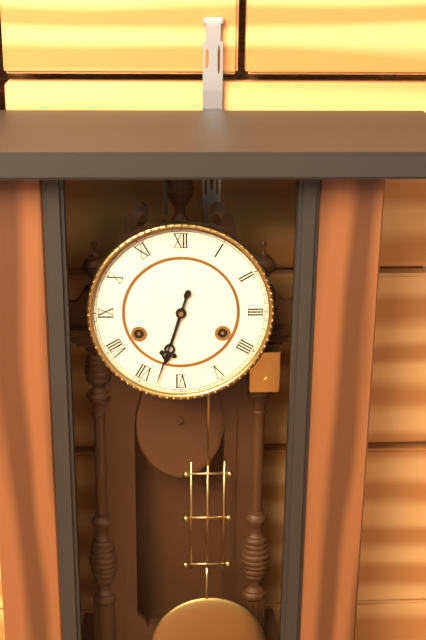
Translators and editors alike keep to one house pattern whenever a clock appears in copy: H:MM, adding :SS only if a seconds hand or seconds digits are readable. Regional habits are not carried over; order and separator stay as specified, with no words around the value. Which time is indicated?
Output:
6:33
